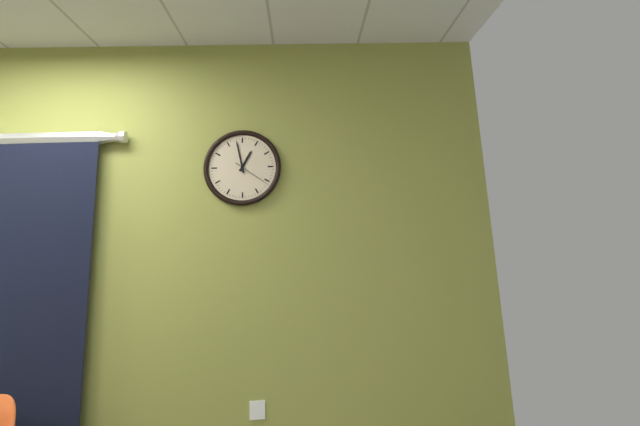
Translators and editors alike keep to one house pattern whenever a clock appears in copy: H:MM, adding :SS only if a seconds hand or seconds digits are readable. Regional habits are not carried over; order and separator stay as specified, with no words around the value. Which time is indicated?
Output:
12:58
